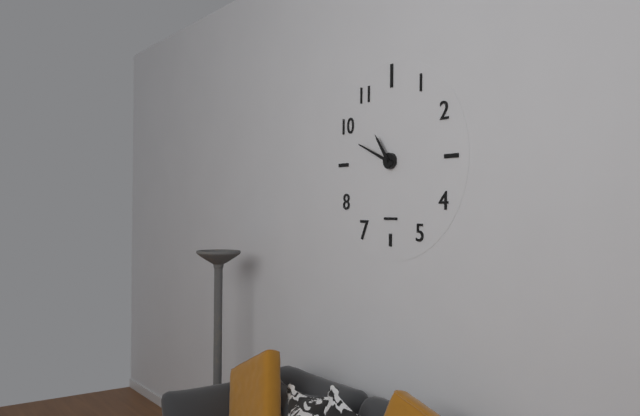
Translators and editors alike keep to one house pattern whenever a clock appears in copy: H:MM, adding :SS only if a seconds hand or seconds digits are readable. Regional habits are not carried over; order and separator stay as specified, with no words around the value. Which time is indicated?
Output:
10:49
